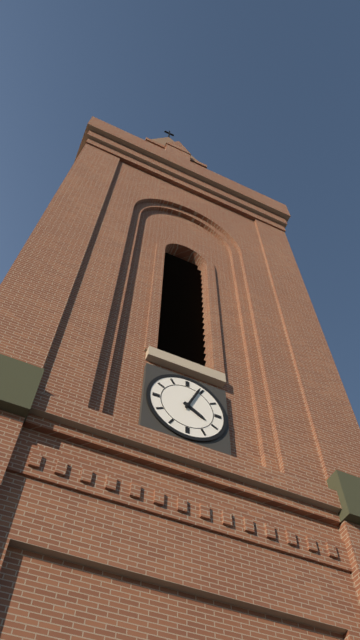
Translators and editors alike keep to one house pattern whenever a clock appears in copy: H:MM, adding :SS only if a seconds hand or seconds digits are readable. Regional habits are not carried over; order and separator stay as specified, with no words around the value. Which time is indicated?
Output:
4:04
